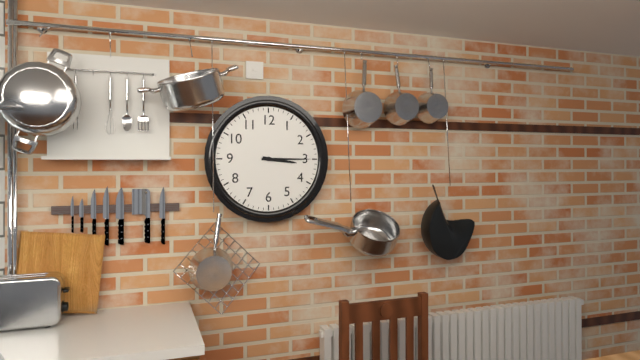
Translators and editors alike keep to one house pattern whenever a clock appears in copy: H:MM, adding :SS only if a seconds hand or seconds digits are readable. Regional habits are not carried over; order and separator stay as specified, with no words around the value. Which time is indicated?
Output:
3:15
